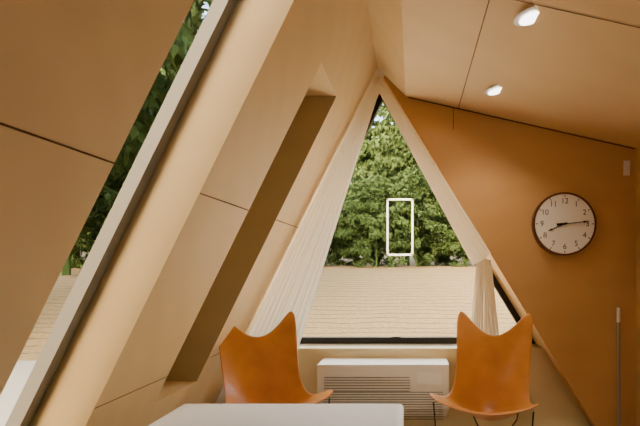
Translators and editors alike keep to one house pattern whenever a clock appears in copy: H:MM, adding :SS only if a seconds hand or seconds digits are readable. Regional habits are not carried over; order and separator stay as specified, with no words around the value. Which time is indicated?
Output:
8:14
